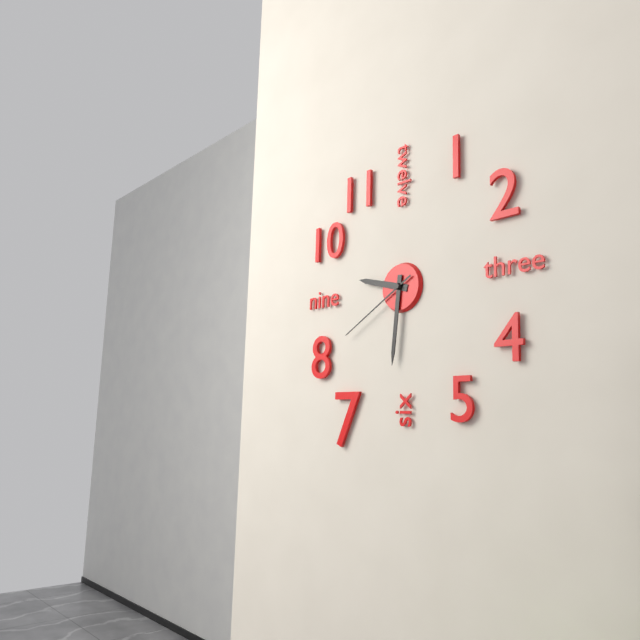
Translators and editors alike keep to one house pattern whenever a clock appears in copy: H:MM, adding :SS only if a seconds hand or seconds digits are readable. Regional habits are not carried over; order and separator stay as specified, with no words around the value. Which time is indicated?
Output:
9:31:40
